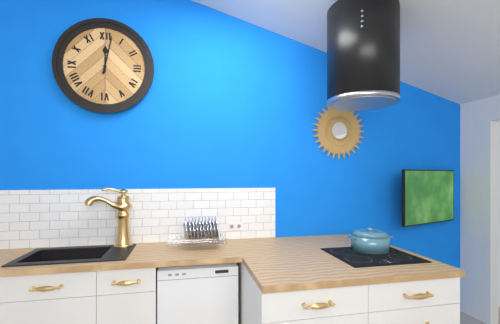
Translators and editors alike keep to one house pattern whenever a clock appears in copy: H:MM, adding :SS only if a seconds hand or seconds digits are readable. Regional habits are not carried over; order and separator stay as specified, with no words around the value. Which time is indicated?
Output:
12:02
